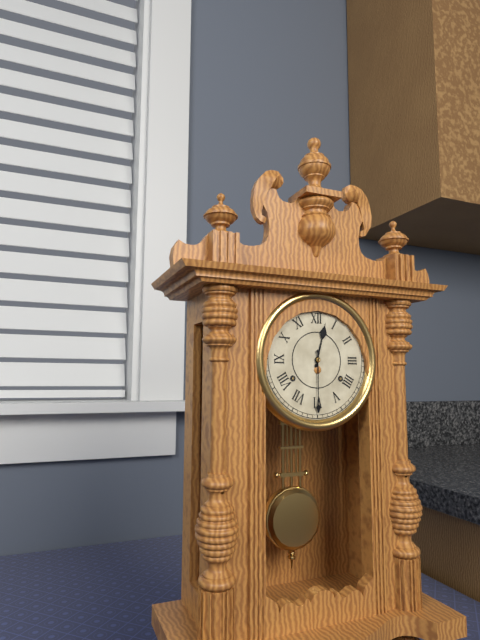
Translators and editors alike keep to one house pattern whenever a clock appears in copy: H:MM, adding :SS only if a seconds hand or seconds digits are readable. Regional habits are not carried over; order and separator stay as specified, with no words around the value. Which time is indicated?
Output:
12:30
